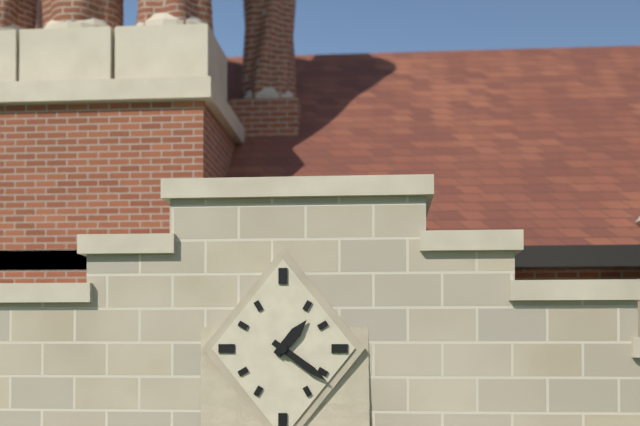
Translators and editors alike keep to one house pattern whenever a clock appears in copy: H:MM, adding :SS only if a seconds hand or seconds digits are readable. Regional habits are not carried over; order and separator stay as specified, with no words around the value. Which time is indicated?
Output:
1:21
